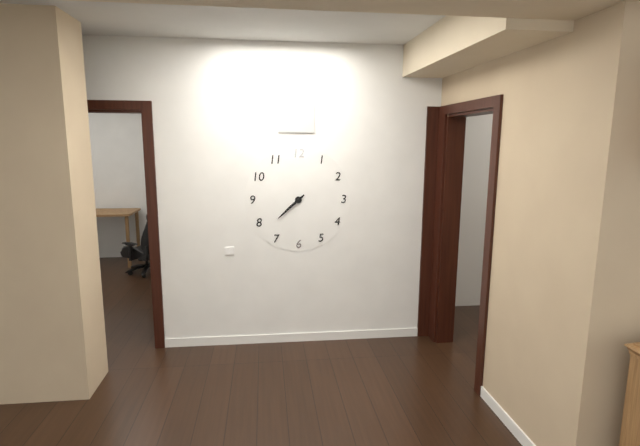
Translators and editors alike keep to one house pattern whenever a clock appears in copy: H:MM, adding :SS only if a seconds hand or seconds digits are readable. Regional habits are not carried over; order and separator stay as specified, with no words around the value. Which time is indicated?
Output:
7:38
